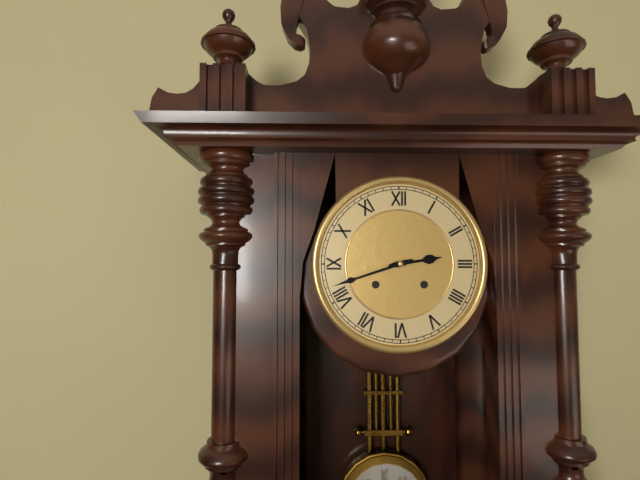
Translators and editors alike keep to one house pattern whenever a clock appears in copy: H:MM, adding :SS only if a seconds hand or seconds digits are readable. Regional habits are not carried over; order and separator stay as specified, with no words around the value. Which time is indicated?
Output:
2:42
